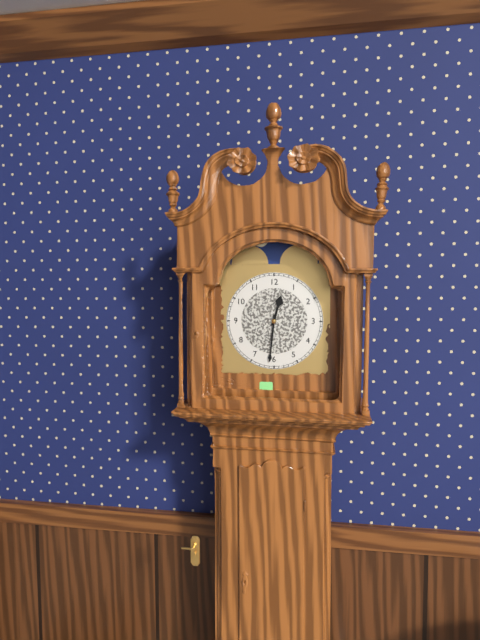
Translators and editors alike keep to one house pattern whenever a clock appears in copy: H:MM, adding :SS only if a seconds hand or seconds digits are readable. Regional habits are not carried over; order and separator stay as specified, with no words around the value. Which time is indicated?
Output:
12:31
